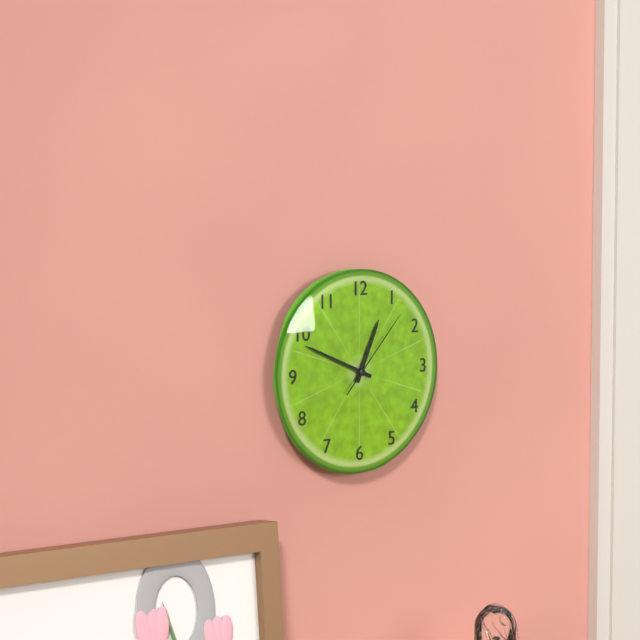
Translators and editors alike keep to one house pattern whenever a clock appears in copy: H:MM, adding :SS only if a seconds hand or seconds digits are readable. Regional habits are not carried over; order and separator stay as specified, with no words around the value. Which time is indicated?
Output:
12:49:07
